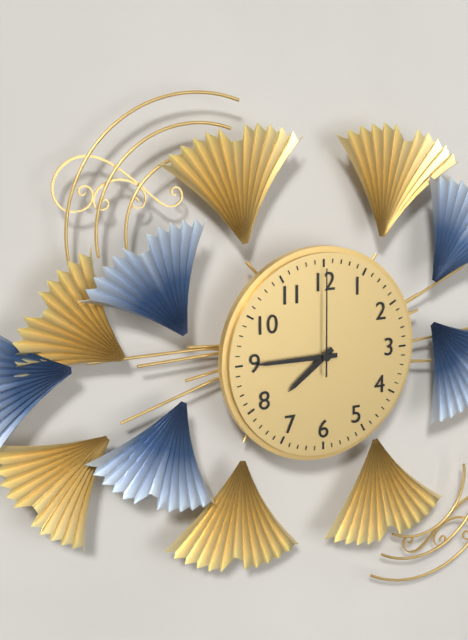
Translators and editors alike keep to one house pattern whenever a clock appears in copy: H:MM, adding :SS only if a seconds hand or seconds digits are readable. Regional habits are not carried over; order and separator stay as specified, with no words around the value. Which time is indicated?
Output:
7:45:00
